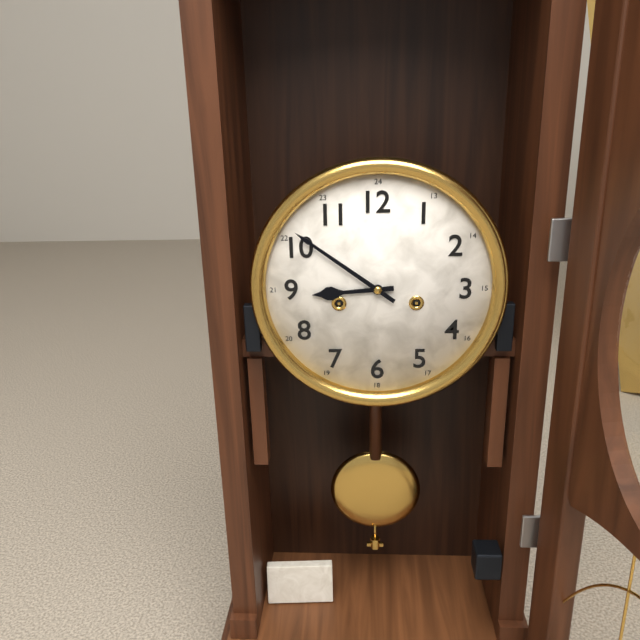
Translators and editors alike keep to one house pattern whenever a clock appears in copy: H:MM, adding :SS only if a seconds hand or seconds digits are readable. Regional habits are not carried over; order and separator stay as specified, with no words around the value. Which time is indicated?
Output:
8:51
